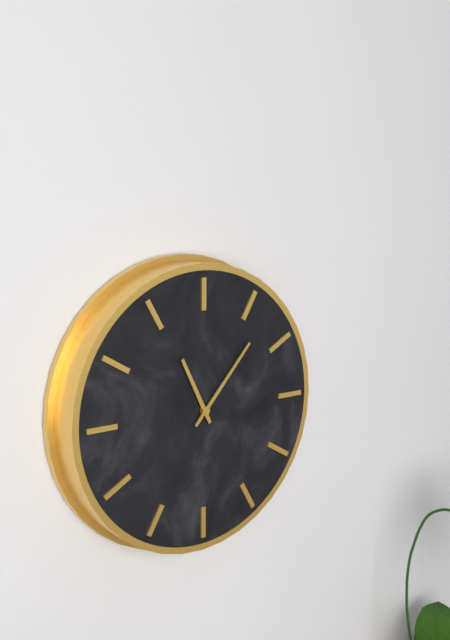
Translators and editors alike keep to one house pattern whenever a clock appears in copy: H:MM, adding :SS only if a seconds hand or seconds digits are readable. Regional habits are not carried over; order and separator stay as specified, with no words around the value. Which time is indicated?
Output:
11:07
